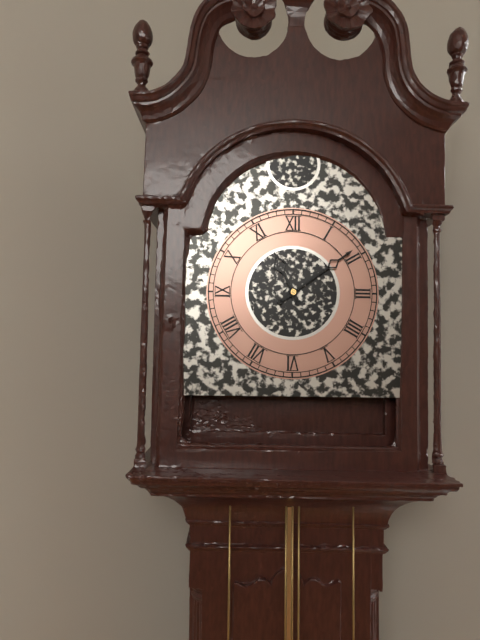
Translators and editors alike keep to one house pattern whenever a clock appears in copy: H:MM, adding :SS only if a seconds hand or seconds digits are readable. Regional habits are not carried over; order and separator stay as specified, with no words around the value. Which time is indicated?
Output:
11:09
